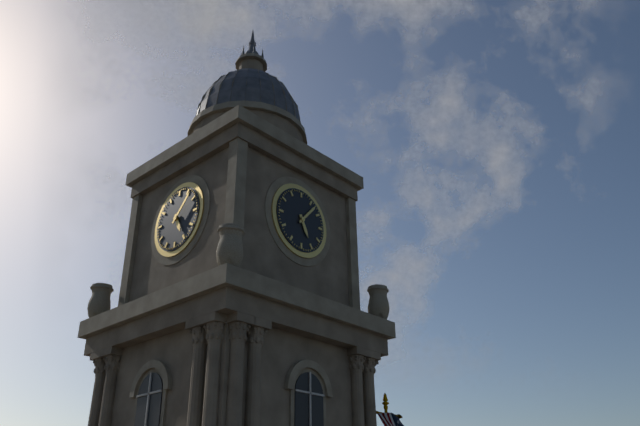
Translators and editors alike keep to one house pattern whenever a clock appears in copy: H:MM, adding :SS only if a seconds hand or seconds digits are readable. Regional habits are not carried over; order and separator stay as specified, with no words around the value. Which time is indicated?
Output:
5:07
